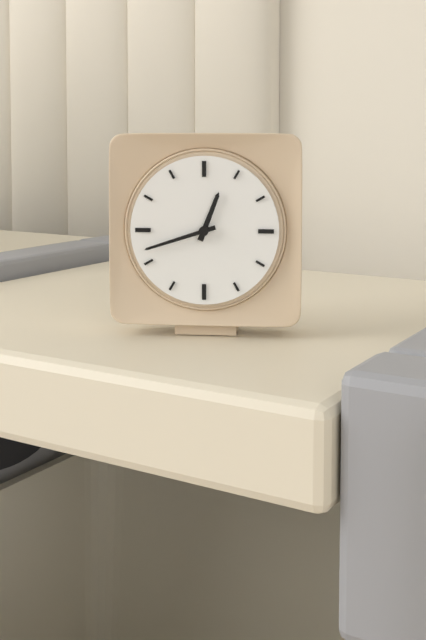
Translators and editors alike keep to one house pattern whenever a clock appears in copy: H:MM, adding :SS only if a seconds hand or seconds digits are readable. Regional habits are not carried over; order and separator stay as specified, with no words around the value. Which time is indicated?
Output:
12:42
